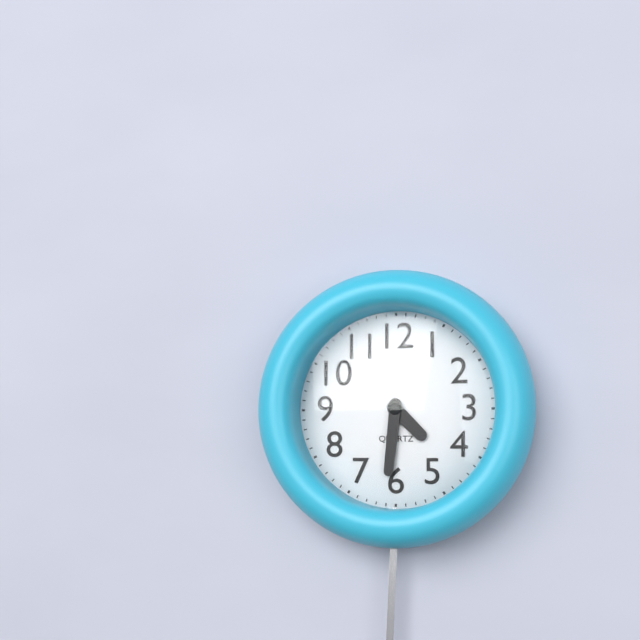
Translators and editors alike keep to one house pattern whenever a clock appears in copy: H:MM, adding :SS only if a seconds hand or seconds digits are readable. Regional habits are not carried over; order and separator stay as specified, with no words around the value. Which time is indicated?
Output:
4:31
